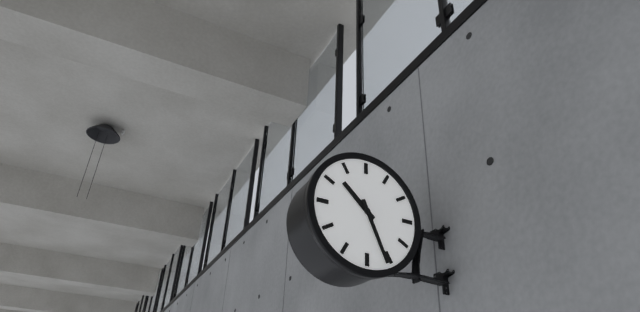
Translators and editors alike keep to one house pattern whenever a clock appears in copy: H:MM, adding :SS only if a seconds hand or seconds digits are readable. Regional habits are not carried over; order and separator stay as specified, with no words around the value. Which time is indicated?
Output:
10:26
